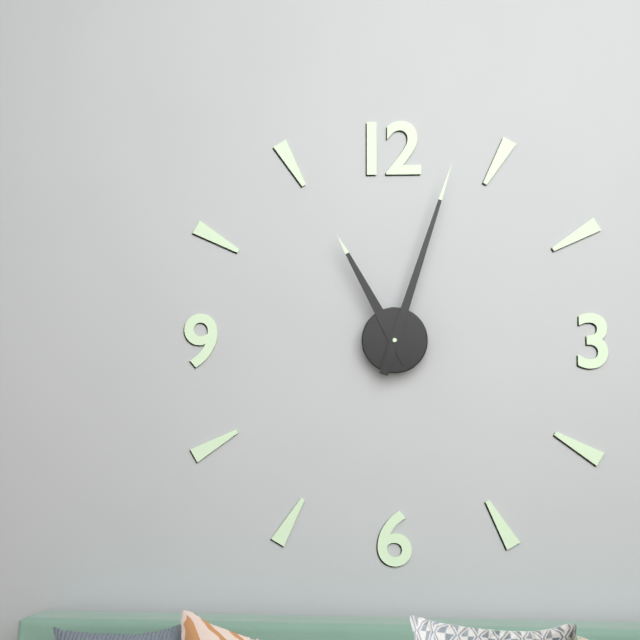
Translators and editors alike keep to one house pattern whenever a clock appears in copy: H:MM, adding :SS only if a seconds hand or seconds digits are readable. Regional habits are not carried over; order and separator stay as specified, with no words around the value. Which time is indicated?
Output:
11:03
